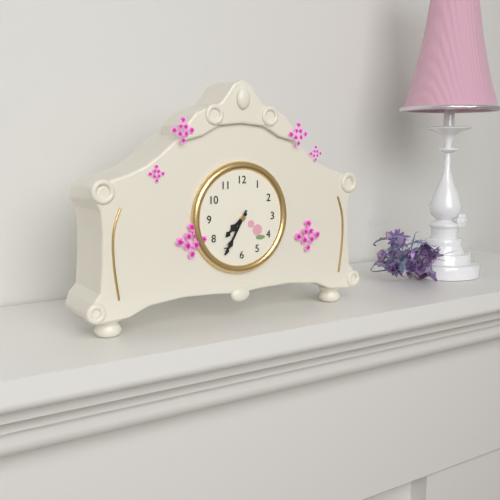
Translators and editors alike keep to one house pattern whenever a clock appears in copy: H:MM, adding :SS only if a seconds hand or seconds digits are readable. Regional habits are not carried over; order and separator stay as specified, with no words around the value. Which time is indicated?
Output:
7:35
